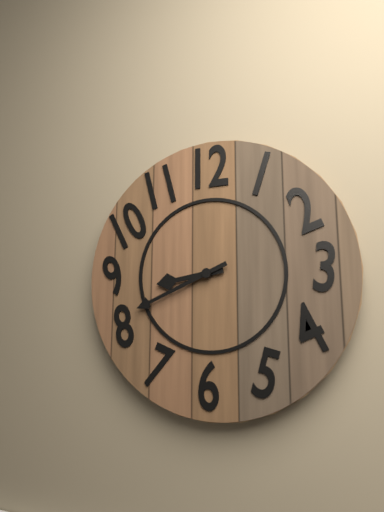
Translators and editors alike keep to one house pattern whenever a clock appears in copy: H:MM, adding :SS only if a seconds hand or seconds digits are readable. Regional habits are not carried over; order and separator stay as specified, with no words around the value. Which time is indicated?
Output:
8:41
